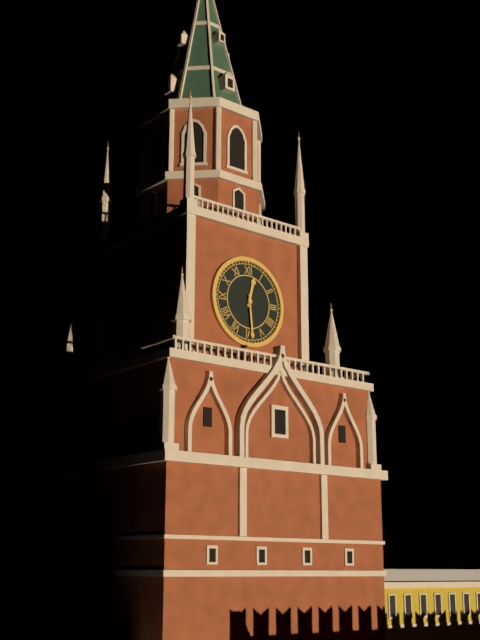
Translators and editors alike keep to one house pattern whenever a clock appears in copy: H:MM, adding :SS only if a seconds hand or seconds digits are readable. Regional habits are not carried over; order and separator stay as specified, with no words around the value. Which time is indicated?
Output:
12:29
